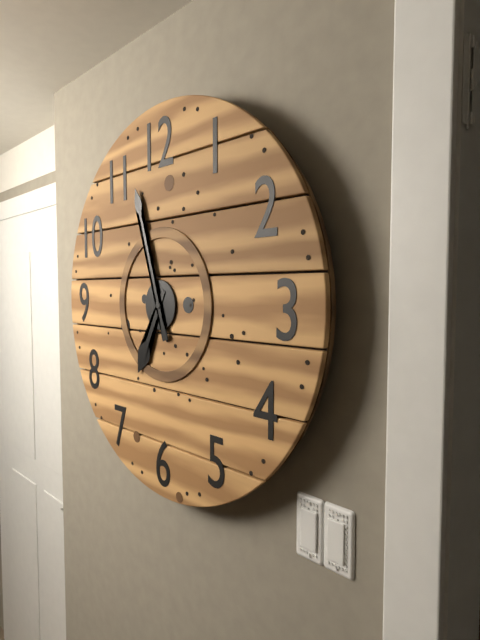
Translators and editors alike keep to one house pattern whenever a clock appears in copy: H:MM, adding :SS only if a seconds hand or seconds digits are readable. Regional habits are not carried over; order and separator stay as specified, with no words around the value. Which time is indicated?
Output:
6:57
